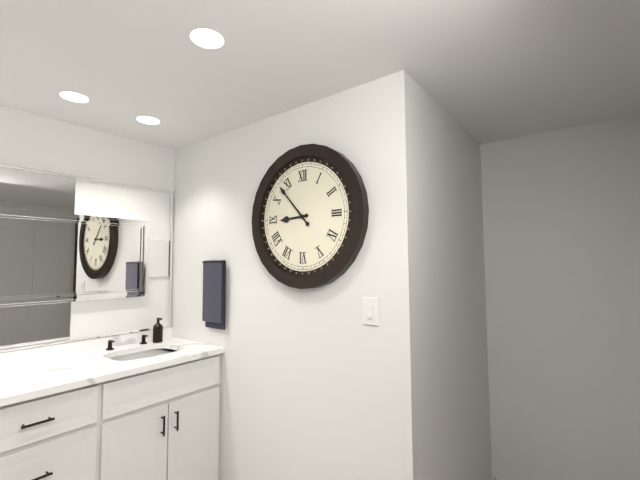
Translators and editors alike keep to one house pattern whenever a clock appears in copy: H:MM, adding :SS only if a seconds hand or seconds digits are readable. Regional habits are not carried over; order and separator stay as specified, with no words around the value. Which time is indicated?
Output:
8:53
